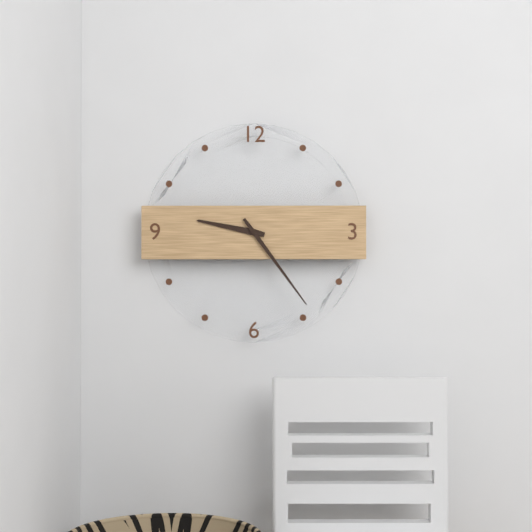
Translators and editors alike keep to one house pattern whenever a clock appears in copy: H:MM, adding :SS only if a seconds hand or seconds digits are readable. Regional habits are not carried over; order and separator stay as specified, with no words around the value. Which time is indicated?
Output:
9:24
